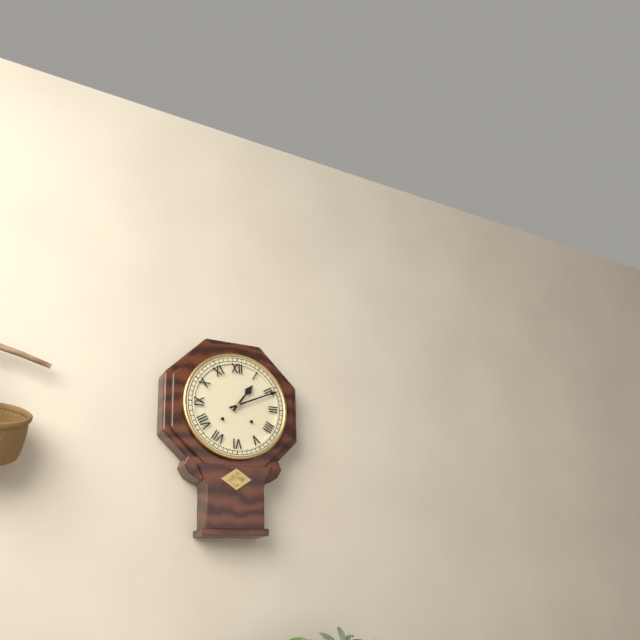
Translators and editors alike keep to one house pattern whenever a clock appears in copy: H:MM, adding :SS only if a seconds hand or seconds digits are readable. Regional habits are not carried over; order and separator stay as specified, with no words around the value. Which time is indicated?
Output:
1:11
